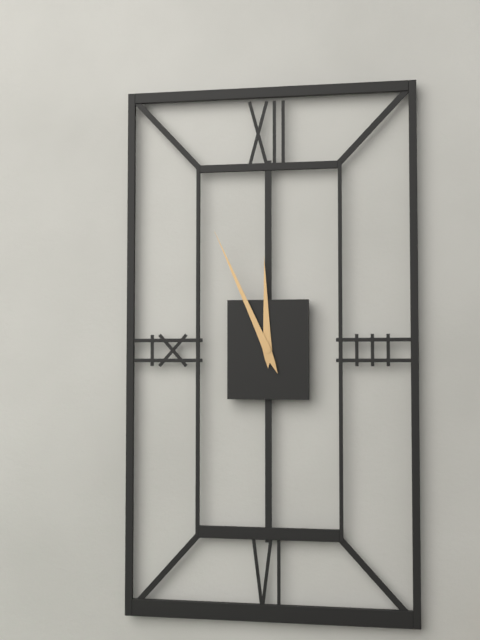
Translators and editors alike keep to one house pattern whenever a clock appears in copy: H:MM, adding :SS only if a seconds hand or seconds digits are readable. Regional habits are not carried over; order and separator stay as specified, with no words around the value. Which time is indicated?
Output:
11:56
